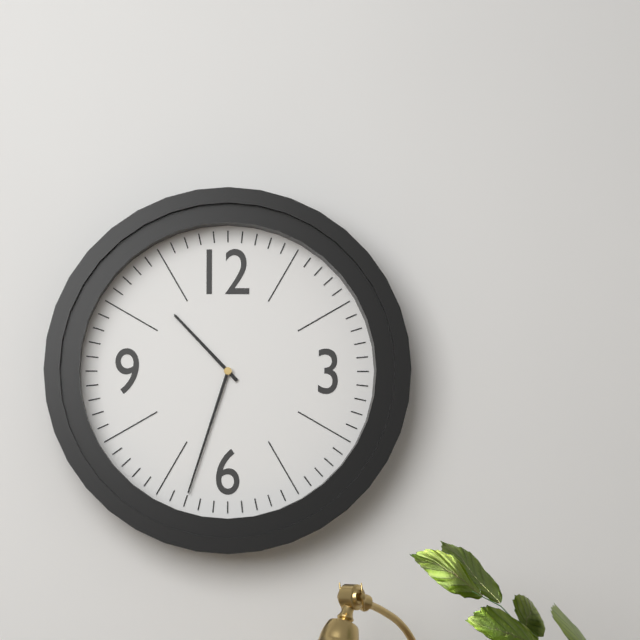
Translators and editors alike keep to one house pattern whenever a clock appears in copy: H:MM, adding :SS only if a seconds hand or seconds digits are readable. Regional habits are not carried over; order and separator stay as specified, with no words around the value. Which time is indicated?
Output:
10:33
